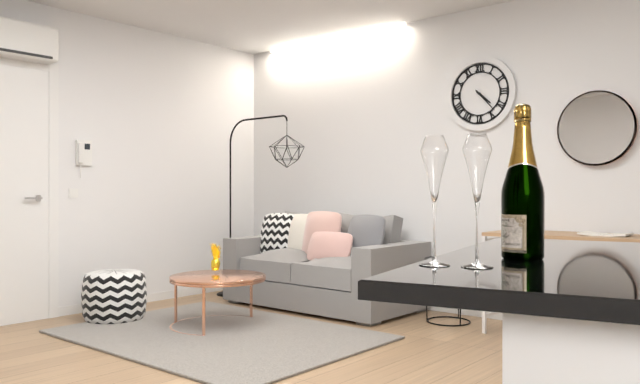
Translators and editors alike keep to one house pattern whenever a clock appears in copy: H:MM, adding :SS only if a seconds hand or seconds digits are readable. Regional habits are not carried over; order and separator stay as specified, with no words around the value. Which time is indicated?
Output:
4:23
